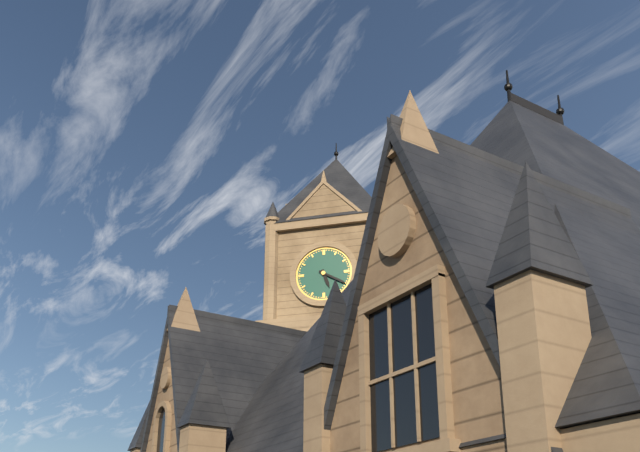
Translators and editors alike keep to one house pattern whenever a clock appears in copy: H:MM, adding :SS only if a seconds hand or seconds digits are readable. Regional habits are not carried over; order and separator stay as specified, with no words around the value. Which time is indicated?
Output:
5:20
